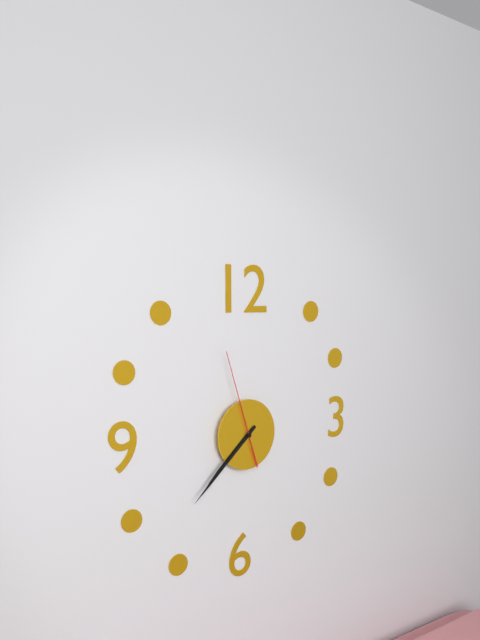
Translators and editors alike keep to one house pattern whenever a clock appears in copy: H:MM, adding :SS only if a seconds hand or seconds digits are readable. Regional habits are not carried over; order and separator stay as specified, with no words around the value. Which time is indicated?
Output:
7:38:57
